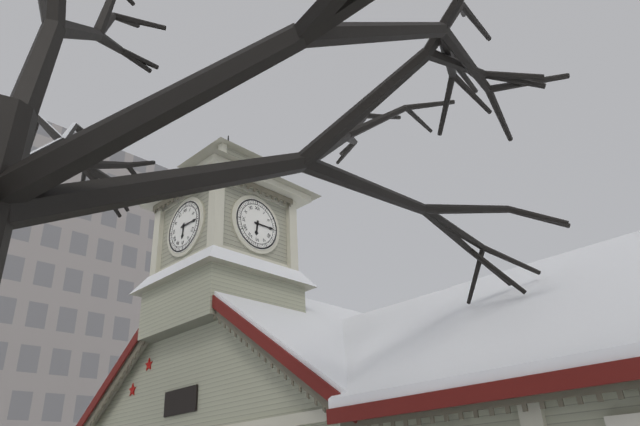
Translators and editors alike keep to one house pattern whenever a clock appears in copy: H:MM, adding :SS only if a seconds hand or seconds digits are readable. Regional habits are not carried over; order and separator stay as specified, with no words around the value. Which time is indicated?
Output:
6:15
